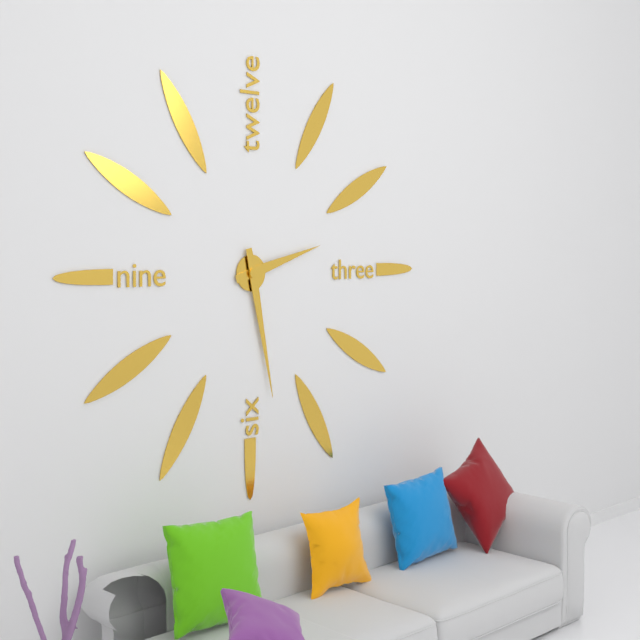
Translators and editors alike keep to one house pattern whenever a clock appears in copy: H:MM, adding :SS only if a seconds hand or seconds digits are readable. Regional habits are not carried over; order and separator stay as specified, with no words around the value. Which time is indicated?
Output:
2:28
